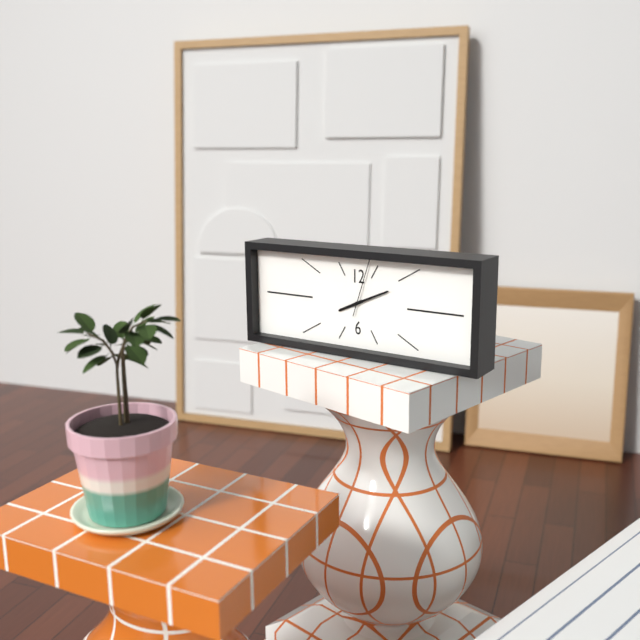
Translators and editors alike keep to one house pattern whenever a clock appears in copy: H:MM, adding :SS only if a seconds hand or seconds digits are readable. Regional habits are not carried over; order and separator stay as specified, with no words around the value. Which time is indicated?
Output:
8:11:03
